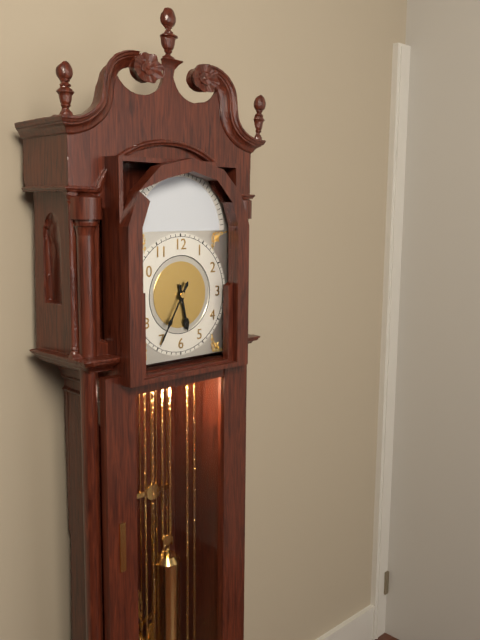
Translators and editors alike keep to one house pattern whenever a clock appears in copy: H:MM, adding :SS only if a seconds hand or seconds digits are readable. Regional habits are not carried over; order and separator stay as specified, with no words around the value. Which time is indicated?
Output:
5:35
